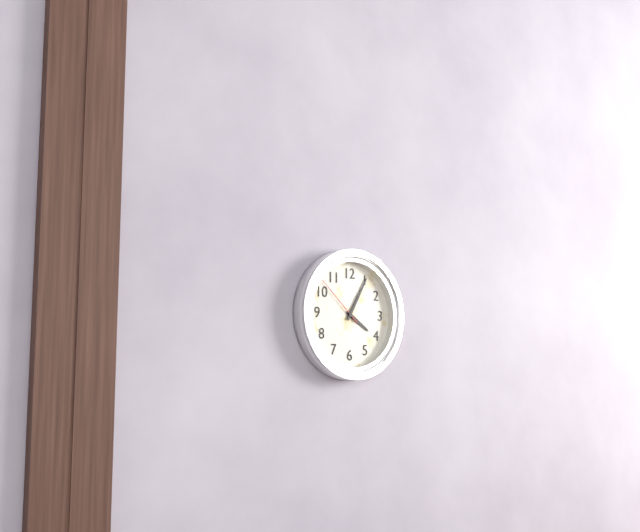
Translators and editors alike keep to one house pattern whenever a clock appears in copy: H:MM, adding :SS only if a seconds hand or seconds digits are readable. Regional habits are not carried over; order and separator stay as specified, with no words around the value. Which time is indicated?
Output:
4:05:52
